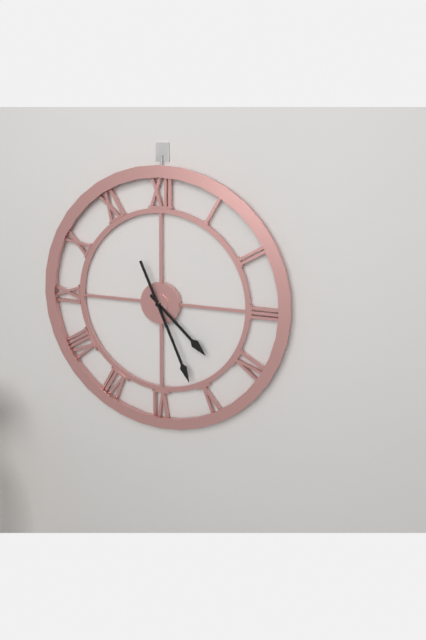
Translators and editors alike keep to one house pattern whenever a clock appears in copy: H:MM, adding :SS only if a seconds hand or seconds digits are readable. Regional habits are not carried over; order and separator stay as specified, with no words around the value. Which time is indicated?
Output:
4:26
